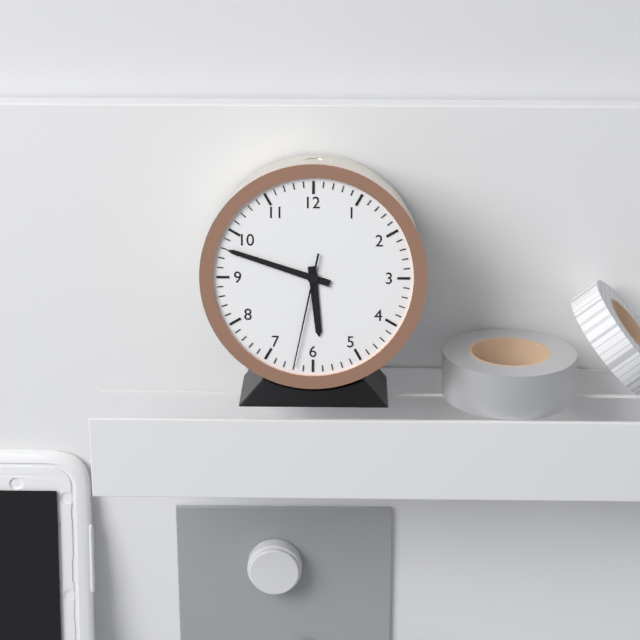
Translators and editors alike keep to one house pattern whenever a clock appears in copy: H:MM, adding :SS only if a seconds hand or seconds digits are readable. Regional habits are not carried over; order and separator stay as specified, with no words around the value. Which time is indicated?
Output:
5:48:32
